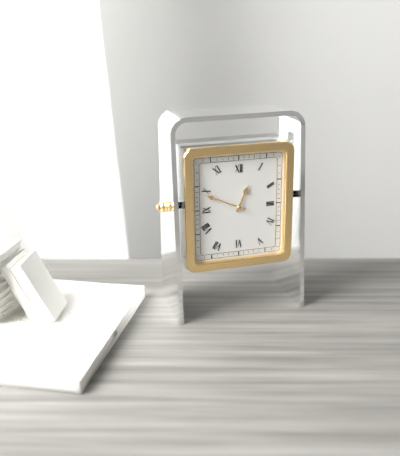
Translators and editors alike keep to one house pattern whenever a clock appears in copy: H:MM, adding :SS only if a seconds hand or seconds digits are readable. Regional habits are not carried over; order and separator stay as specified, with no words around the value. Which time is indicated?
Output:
12:49
